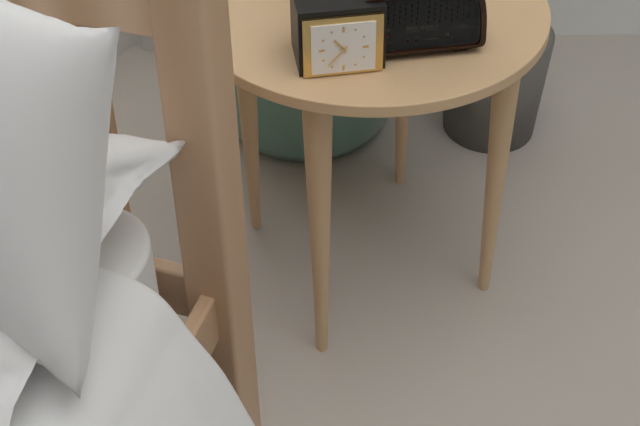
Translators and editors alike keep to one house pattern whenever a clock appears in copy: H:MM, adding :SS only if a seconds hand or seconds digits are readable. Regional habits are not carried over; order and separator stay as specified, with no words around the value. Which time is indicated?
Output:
10:37
